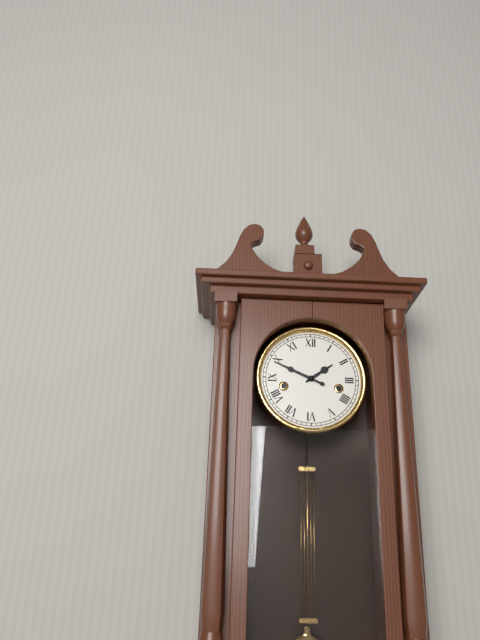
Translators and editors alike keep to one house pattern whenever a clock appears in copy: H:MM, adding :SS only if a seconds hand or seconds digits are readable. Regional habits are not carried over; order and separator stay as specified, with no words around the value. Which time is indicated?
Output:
1:49
